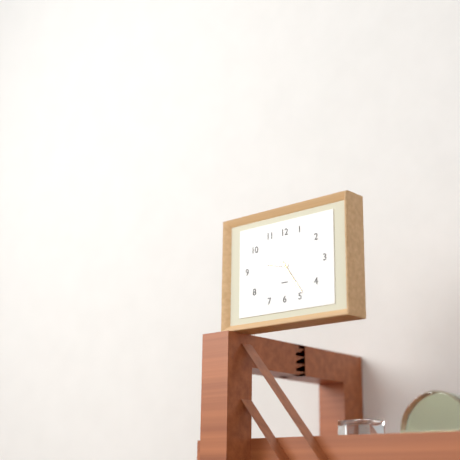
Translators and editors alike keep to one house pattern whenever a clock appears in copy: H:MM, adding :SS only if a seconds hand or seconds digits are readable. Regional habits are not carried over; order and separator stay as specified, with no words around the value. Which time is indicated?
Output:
9:24
